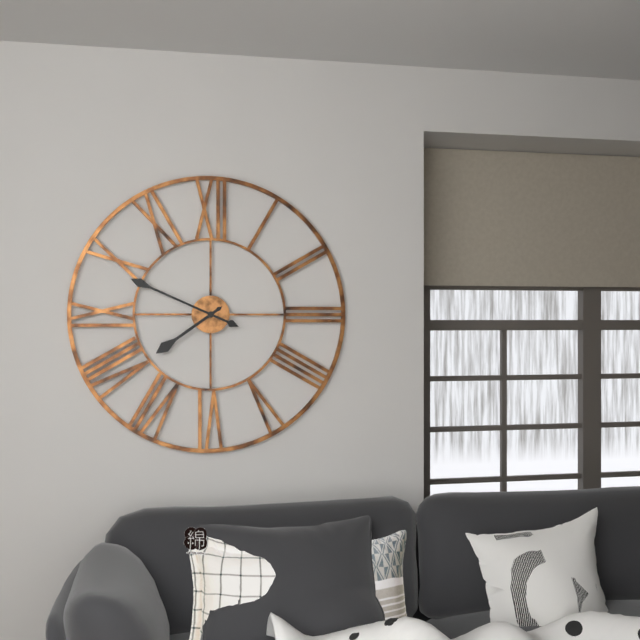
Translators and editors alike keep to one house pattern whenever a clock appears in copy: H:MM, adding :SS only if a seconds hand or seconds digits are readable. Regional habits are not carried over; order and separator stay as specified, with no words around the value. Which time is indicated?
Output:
7:49
